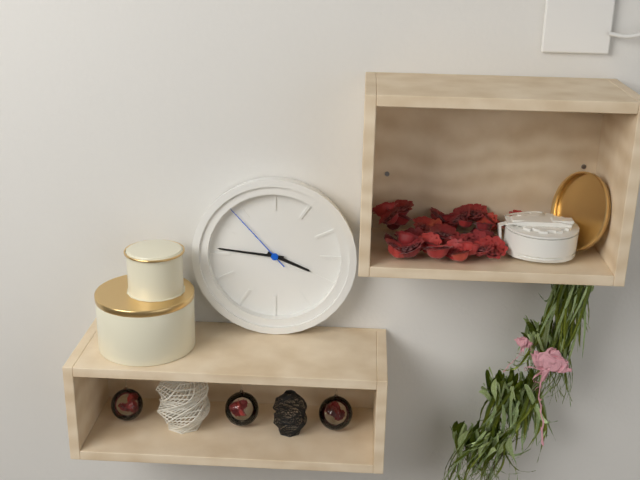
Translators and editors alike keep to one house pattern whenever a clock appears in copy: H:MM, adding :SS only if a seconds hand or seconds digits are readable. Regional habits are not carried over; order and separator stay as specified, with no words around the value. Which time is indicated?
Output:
3:46:53
